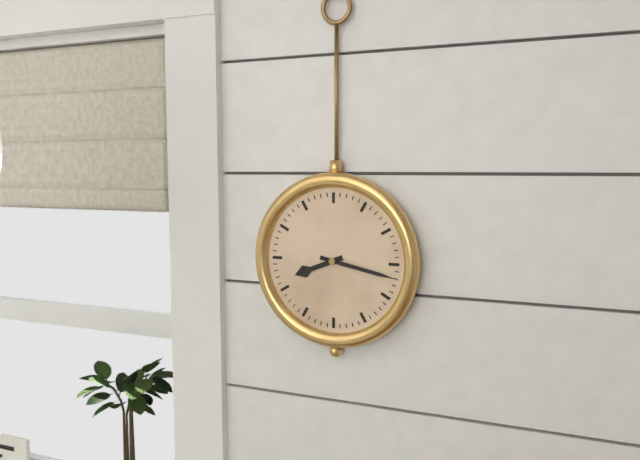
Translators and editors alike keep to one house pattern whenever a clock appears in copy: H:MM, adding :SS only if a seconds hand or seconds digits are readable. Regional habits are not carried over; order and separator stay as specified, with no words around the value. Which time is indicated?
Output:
8:17
